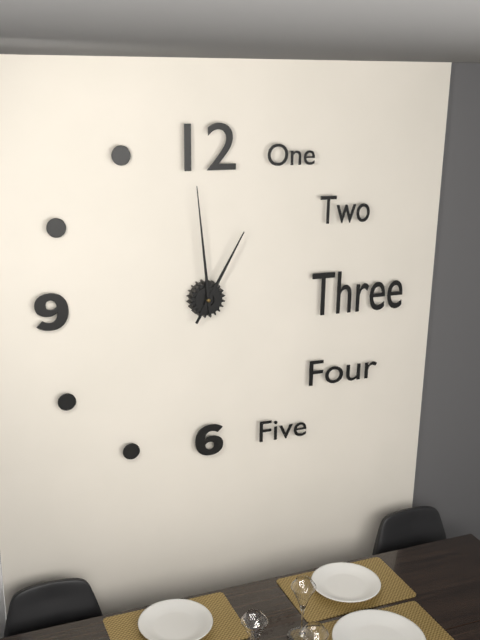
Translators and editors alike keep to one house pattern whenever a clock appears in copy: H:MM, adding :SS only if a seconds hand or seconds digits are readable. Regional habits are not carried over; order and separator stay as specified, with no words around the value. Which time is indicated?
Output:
12:59
